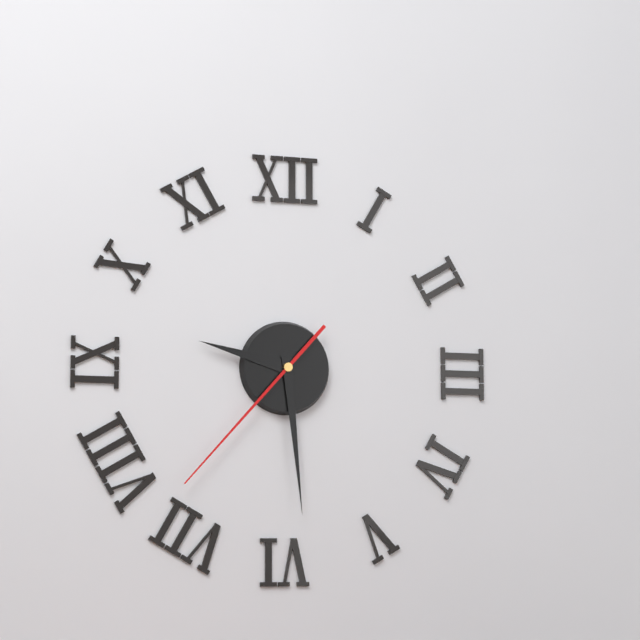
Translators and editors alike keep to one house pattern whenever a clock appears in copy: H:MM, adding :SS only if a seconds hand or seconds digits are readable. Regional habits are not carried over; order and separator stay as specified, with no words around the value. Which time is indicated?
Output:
9:29:37
